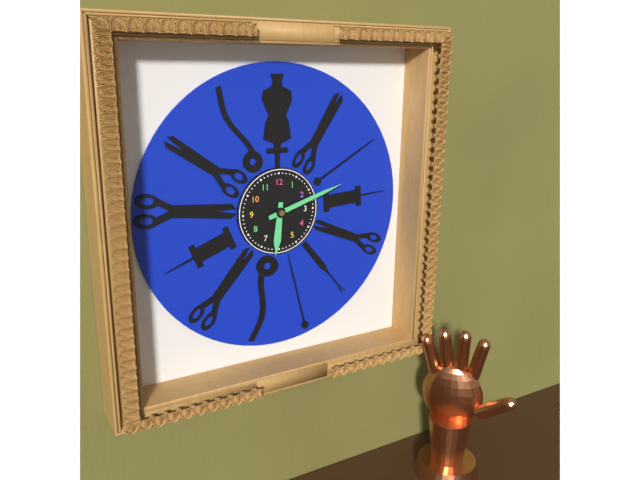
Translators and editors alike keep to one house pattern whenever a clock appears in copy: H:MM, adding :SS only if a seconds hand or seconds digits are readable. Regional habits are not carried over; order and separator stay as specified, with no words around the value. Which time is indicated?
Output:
6:12
